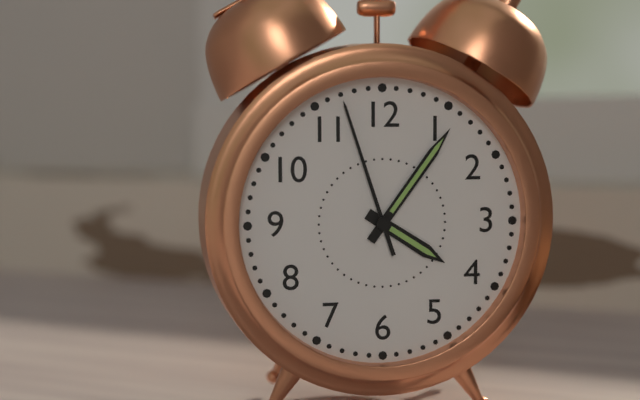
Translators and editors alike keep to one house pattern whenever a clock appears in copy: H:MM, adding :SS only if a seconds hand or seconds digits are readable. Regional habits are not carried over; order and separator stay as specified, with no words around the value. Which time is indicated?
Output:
4:06:57
